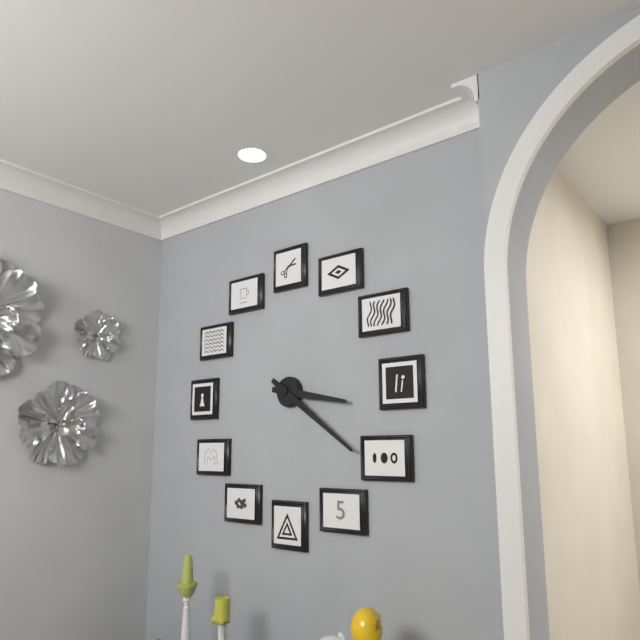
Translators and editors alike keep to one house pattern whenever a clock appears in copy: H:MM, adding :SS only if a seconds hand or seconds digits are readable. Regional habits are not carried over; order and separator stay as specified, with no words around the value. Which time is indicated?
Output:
3:21
